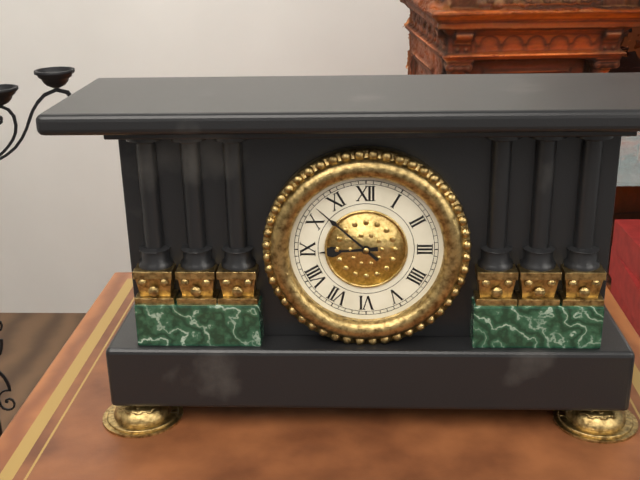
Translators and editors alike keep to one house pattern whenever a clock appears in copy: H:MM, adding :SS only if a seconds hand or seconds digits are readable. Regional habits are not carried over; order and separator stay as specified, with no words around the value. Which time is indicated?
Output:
8:52
